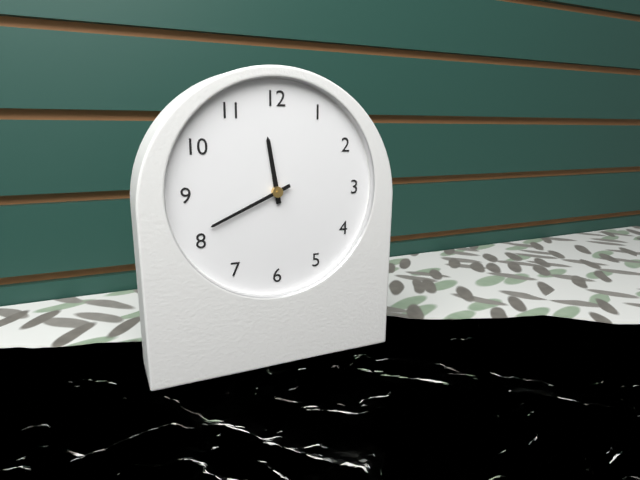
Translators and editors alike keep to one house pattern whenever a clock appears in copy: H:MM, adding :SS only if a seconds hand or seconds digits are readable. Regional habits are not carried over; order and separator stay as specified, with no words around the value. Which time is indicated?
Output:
11:41
